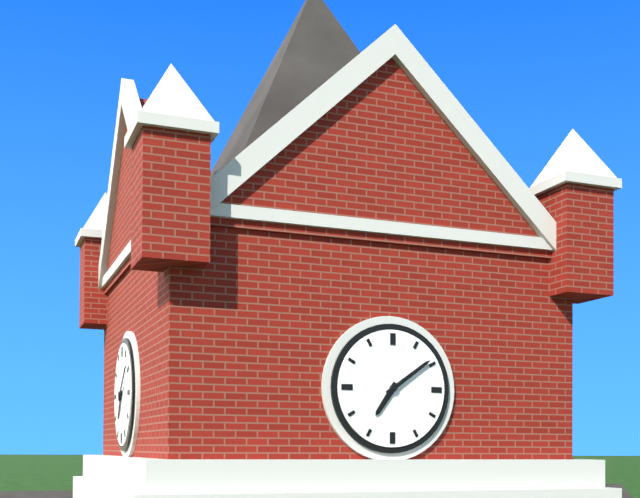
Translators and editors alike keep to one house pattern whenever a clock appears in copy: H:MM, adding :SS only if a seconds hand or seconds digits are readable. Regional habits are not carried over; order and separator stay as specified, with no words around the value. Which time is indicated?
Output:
7:09
